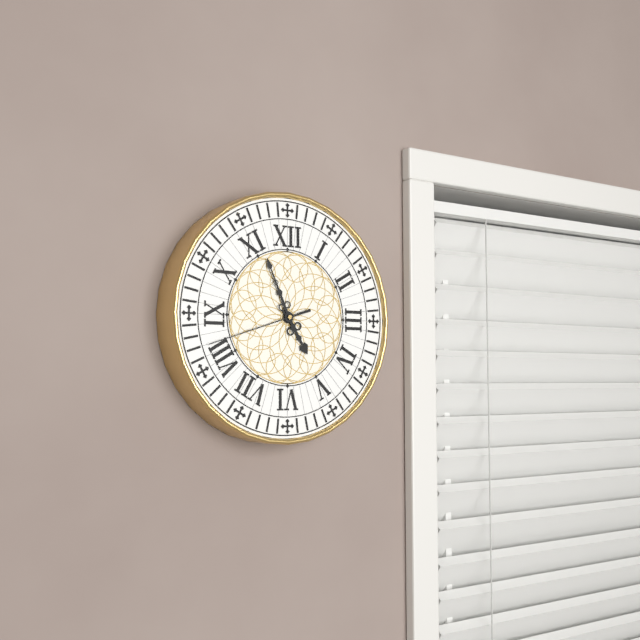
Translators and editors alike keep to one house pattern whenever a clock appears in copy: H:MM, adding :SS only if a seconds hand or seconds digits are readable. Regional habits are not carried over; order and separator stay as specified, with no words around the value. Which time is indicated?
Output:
4:56:42
